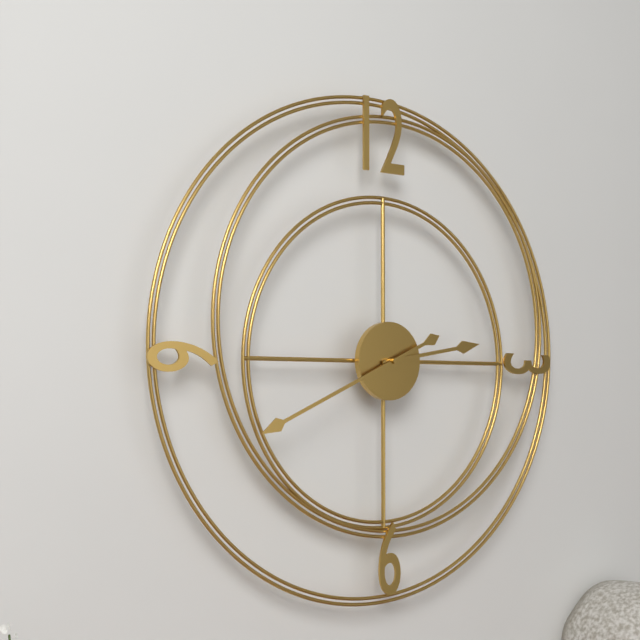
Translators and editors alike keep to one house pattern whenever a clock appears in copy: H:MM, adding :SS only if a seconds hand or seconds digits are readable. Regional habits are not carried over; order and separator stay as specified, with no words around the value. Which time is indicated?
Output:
2:41
